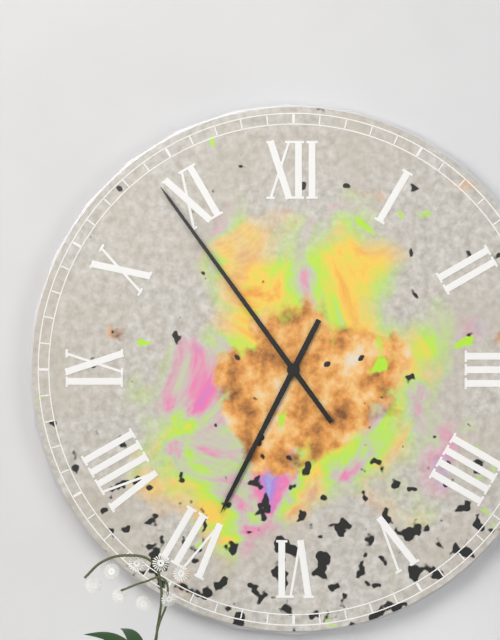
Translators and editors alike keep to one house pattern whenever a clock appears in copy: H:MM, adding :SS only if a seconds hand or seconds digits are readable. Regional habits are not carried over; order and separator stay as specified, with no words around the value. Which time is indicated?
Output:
6:54
